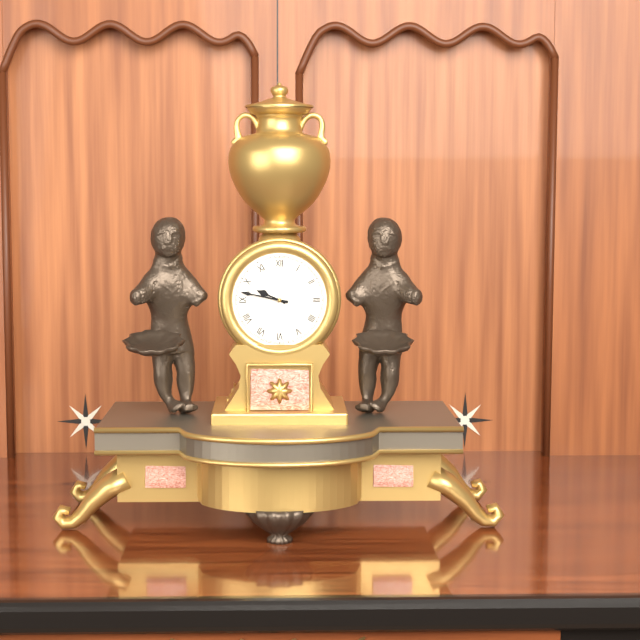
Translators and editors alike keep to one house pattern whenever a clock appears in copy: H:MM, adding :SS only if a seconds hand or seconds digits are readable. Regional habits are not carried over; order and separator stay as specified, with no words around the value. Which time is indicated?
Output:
9:47
